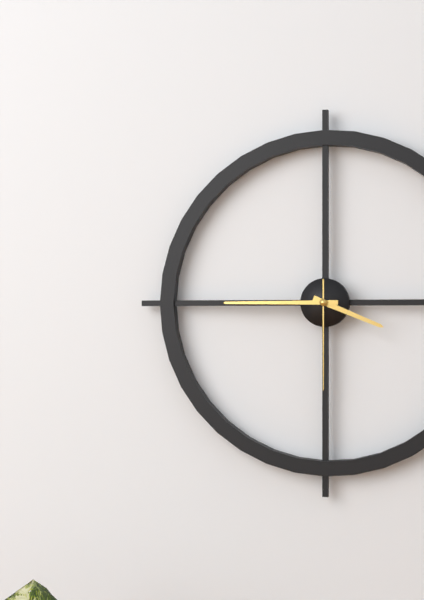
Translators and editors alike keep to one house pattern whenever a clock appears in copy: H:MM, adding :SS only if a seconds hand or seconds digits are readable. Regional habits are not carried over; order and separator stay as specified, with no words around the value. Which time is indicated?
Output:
3:45:30
